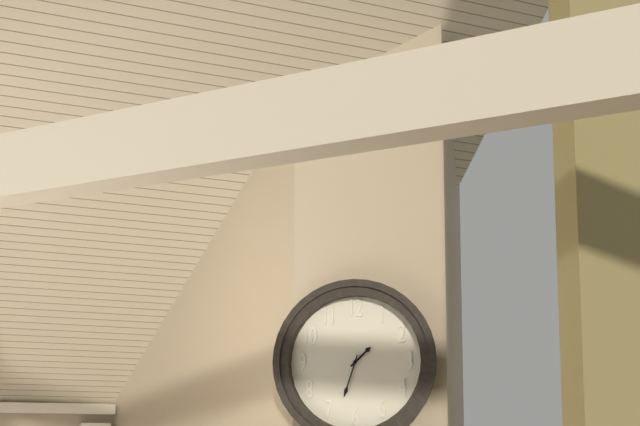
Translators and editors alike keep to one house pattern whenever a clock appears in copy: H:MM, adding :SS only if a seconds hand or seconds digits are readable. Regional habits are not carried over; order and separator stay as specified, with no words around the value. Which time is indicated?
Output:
1:33
